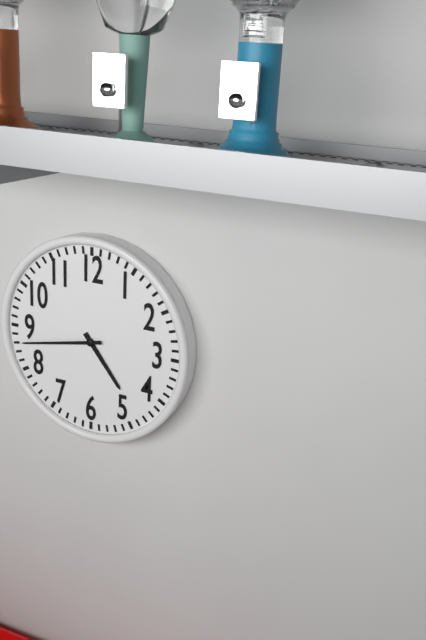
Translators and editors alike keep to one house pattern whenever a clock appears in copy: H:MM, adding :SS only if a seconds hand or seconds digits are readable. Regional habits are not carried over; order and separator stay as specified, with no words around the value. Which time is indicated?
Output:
4:43
